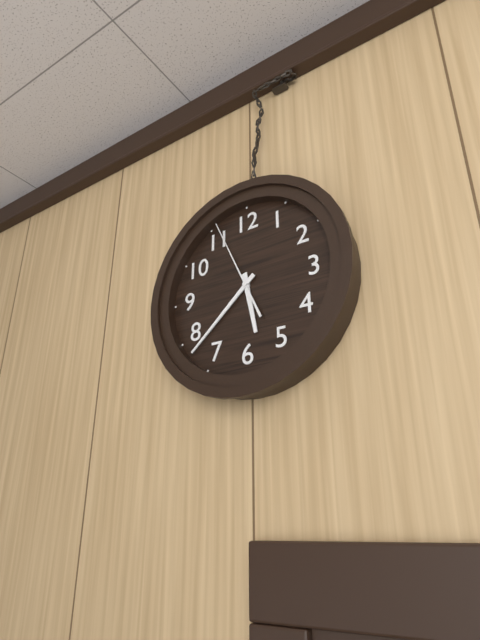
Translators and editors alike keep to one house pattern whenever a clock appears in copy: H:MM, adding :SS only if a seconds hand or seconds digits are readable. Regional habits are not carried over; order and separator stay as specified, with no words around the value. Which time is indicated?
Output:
5:38:56
